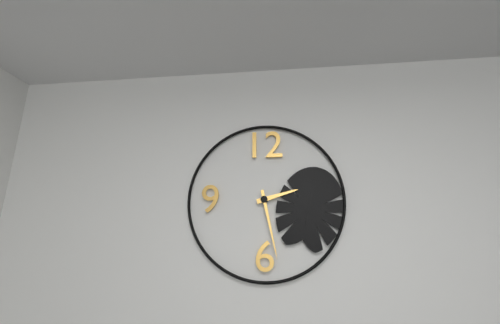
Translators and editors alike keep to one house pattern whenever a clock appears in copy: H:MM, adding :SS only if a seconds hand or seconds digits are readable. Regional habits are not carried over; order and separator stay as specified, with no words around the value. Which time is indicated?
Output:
2:28
